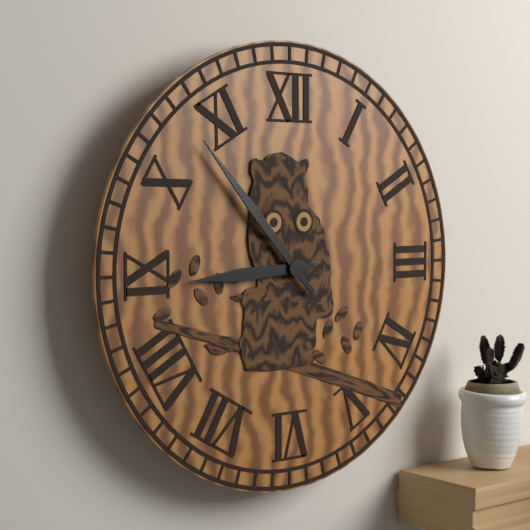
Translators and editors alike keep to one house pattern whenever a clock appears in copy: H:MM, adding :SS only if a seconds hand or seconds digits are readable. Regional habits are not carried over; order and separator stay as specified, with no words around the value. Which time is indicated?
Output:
8:53
